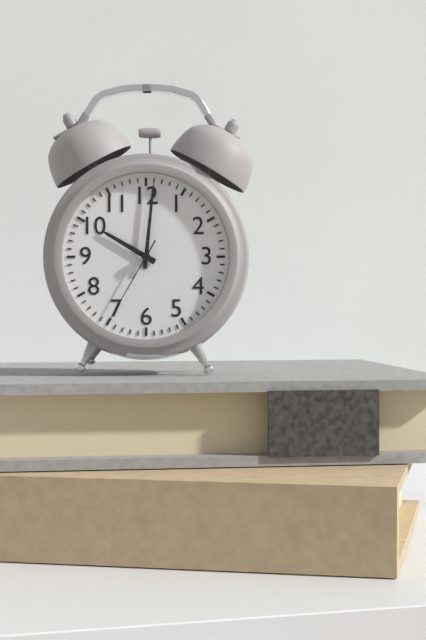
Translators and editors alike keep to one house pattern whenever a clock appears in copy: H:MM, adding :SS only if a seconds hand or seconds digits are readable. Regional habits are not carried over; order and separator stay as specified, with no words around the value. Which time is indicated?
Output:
10:01:35
